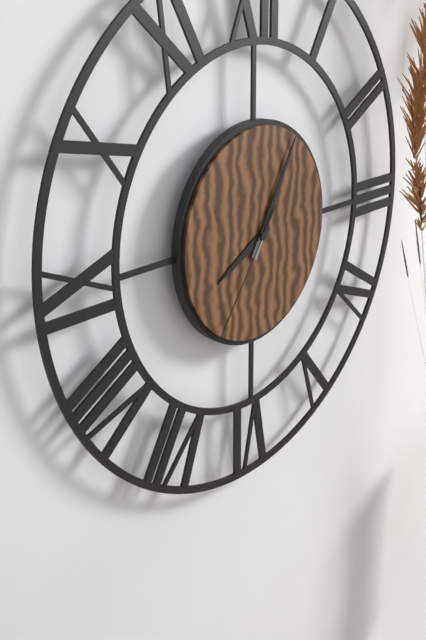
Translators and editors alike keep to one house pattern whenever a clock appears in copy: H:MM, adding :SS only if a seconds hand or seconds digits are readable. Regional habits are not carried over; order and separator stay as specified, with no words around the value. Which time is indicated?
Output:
8:05:36
